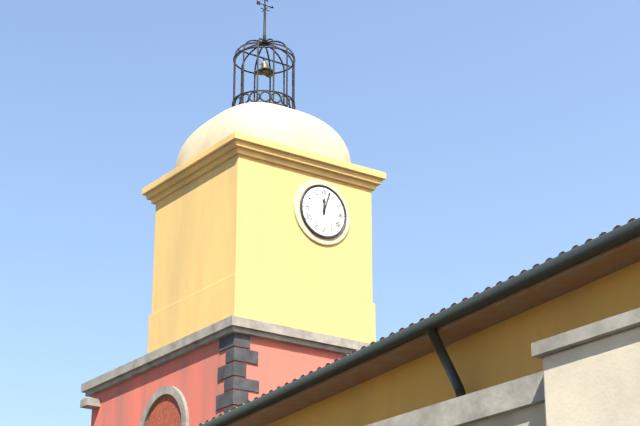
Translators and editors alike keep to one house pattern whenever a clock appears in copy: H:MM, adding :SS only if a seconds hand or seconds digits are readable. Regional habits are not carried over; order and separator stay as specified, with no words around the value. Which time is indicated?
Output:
12:03
